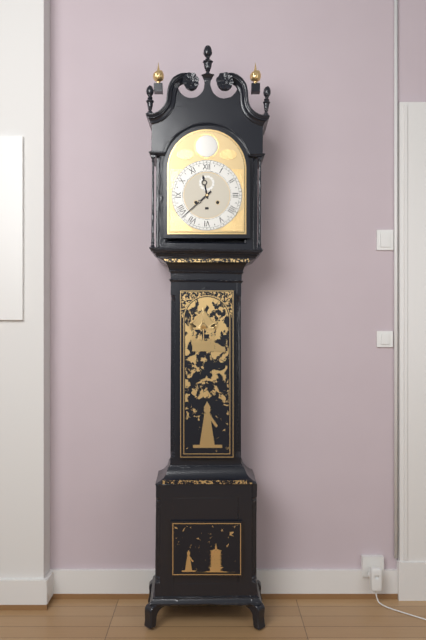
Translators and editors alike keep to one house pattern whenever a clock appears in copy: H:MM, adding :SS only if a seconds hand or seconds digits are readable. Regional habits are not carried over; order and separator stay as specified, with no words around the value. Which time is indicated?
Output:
11:38
